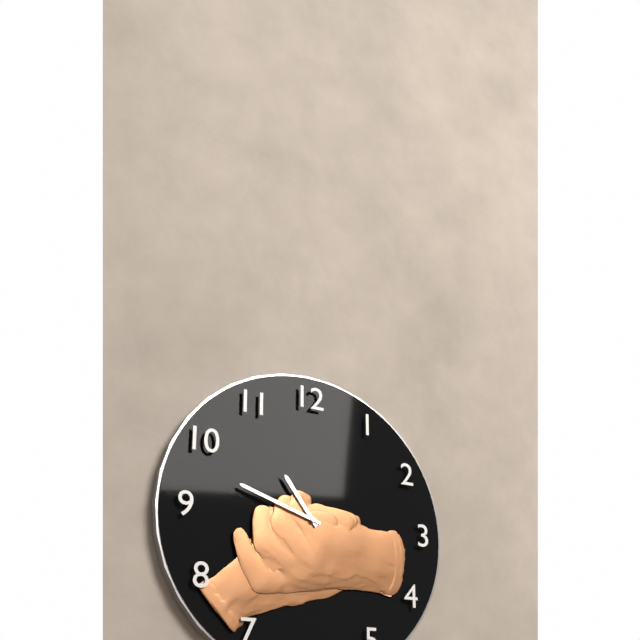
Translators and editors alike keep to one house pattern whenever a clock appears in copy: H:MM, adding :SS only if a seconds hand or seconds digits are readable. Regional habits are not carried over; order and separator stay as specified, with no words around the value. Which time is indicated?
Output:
10:48
